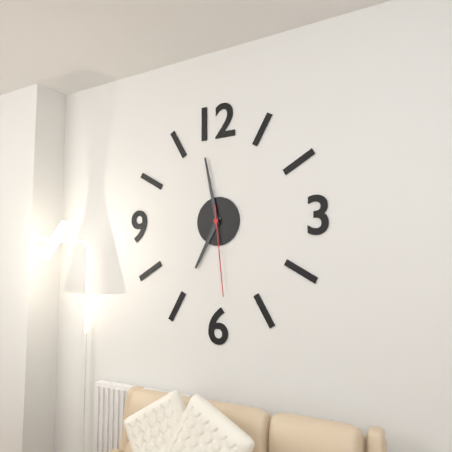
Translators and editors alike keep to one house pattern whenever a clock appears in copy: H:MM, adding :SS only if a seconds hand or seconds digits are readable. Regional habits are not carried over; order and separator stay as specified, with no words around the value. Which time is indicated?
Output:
6:58:29
